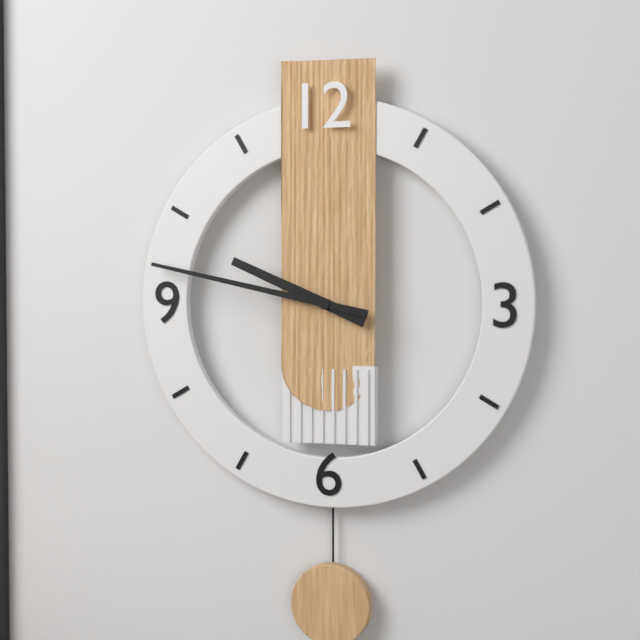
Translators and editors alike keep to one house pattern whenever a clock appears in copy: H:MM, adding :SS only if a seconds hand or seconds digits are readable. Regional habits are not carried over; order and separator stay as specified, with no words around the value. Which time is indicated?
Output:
9:47
